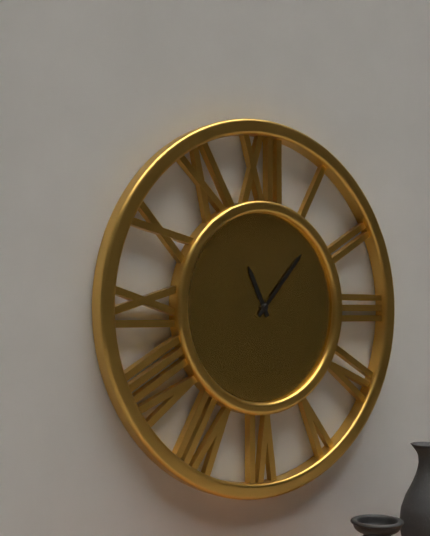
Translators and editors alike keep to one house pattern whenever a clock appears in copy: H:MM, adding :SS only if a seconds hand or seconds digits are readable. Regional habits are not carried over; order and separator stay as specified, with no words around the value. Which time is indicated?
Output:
11:07
